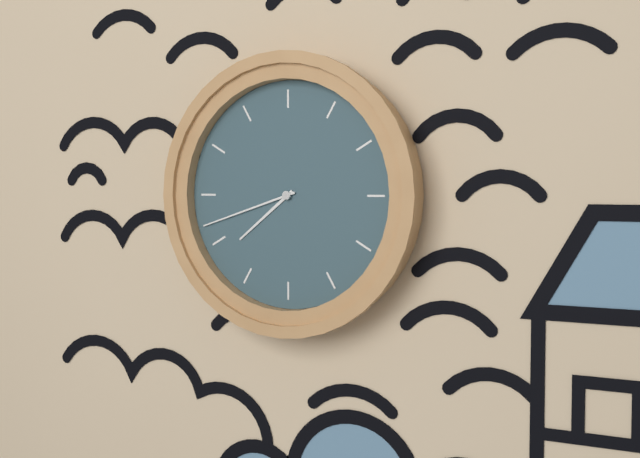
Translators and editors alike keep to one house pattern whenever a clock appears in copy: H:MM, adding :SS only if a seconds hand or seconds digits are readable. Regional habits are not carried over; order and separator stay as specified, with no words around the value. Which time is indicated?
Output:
7:42
